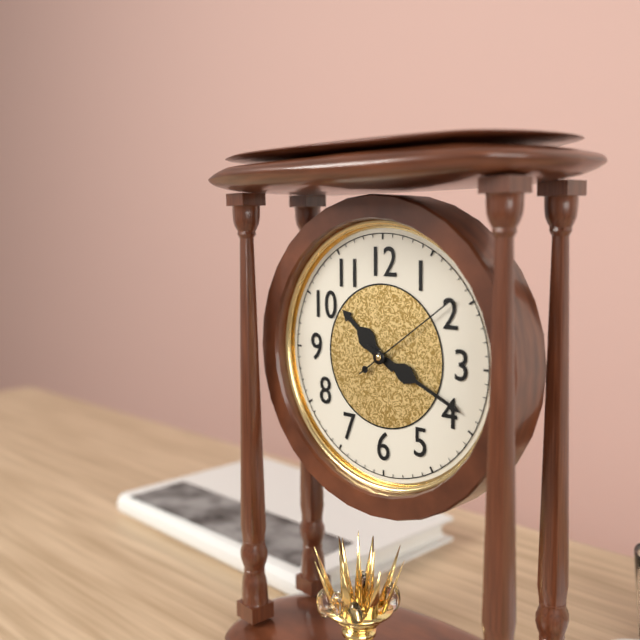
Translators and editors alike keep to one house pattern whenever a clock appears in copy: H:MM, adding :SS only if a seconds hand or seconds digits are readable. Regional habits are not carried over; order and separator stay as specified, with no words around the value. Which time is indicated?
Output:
10:19:09
